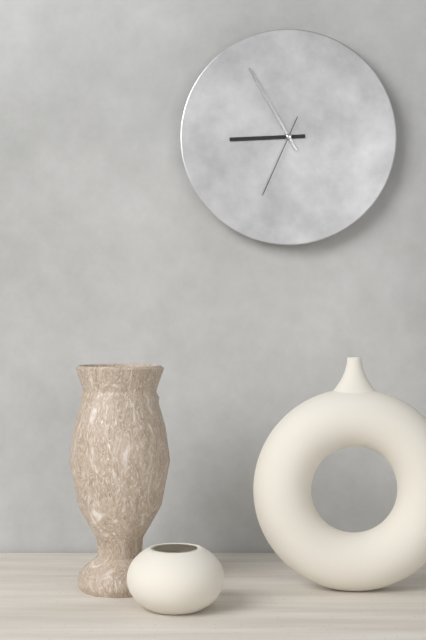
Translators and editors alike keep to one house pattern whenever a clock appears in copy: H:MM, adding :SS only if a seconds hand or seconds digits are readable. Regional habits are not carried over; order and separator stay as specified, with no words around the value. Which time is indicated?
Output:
8:55:34
